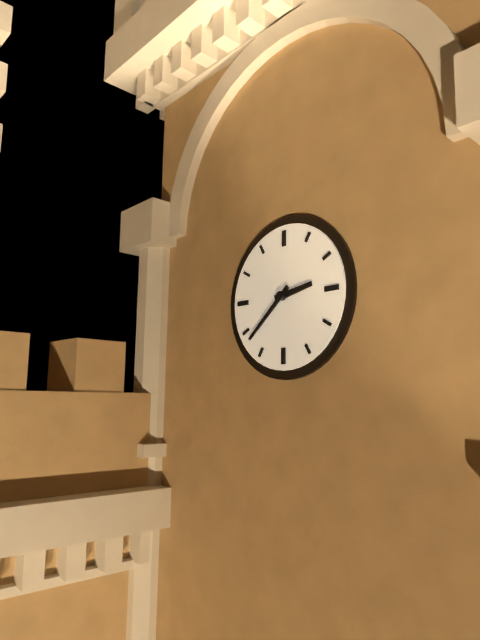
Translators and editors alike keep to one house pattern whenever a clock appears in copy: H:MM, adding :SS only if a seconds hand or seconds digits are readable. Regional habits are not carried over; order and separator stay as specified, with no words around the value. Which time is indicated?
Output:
2:38
